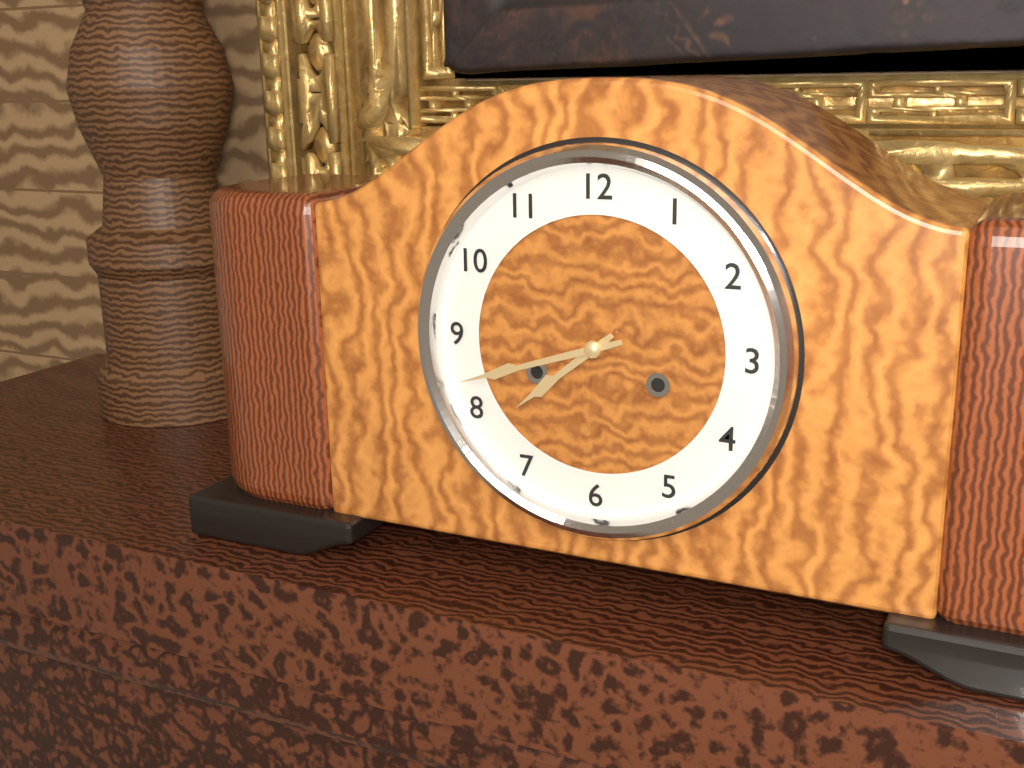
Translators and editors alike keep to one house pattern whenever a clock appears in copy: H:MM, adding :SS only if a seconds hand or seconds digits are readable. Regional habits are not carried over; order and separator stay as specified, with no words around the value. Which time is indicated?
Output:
7:42
